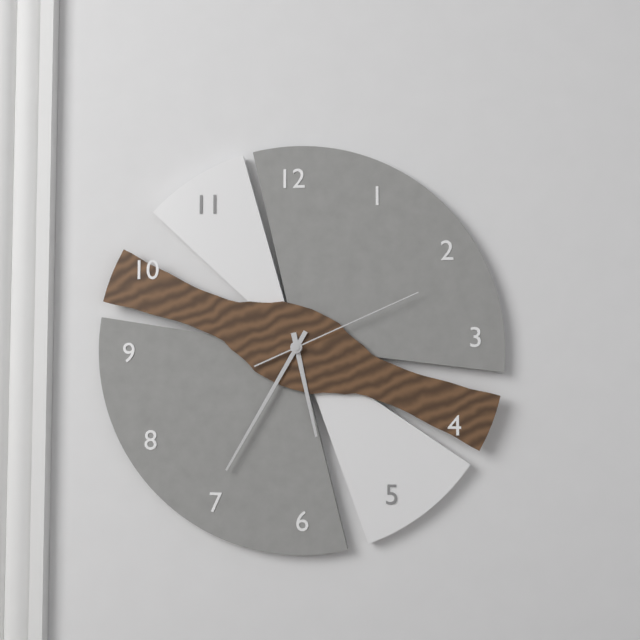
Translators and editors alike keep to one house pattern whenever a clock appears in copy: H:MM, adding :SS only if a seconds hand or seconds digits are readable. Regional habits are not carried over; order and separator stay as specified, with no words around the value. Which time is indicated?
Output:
5:35:11
